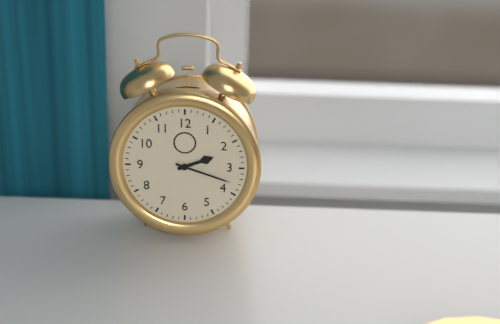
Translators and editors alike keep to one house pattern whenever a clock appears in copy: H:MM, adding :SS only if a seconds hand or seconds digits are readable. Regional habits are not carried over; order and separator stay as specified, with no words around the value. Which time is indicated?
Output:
2:18
